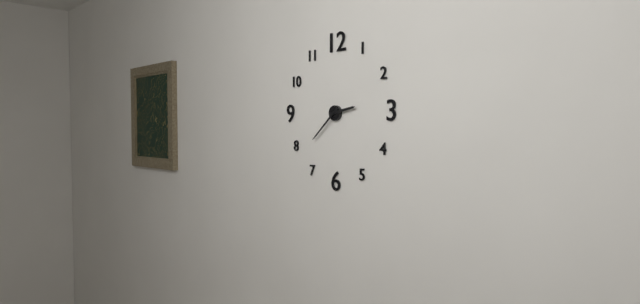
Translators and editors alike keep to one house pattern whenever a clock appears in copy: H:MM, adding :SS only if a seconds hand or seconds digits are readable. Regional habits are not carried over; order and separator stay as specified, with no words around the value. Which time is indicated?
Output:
2:38
